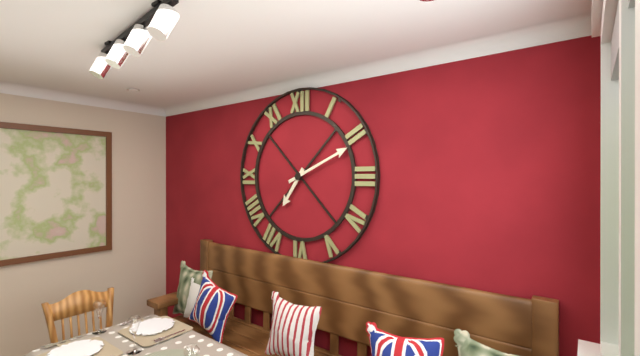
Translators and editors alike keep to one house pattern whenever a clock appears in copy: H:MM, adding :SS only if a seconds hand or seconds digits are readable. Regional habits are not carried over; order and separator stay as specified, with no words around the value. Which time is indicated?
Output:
7:11
